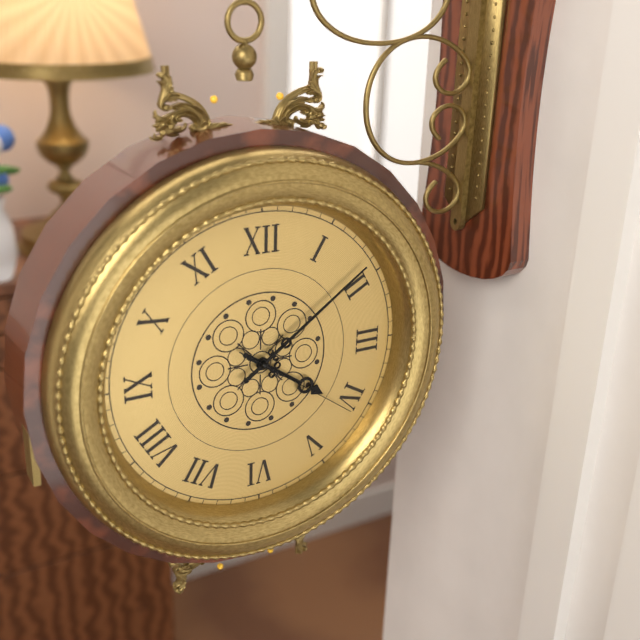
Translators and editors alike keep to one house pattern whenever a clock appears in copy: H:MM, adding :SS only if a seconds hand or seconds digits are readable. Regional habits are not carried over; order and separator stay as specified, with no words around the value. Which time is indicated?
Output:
4:09:21
